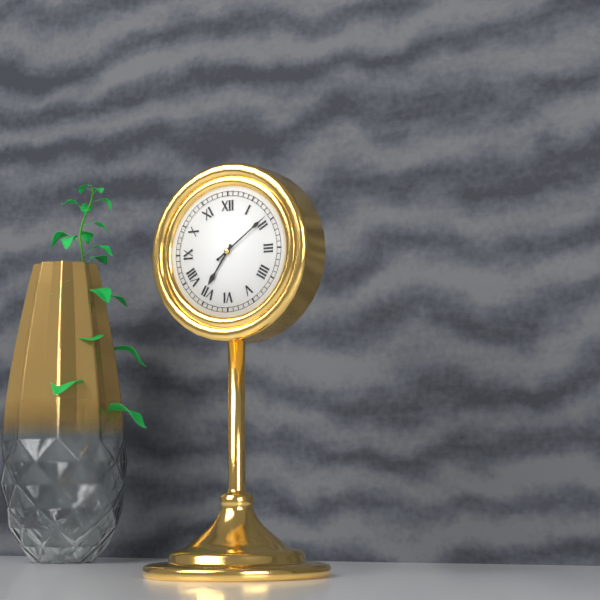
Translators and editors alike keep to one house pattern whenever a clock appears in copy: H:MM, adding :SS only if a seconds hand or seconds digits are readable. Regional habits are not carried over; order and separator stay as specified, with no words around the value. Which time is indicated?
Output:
7:09
